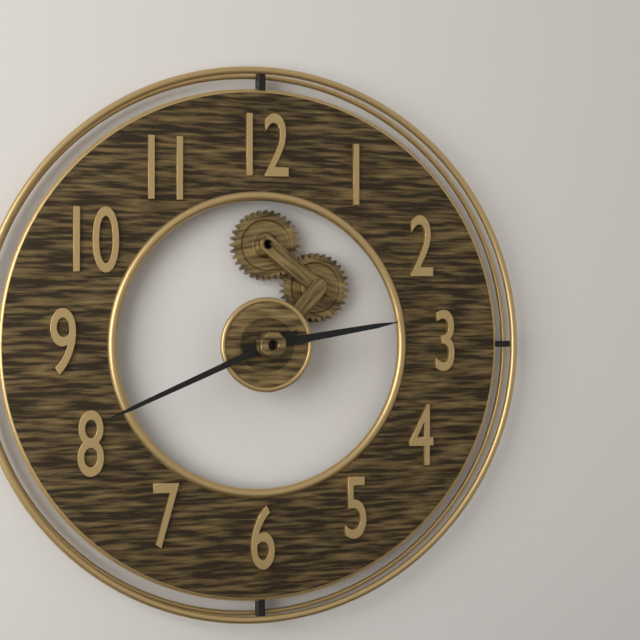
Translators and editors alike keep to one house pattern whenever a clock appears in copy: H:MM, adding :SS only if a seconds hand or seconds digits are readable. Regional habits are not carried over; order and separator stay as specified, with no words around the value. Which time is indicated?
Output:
2:41
